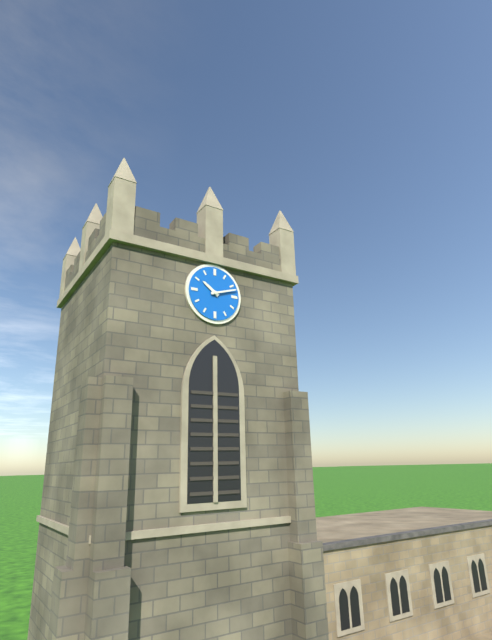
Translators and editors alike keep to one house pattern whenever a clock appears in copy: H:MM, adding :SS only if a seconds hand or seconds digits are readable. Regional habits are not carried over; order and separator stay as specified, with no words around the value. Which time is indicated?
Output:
10:12
